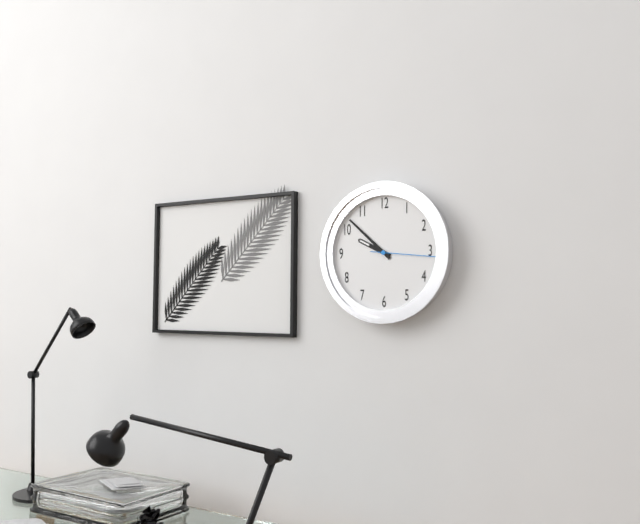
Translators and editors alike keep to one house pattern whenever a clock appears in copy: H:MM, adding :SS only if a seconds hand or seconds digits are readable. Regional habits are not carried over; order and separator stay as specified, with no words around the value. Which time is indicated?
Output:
9:52:16
